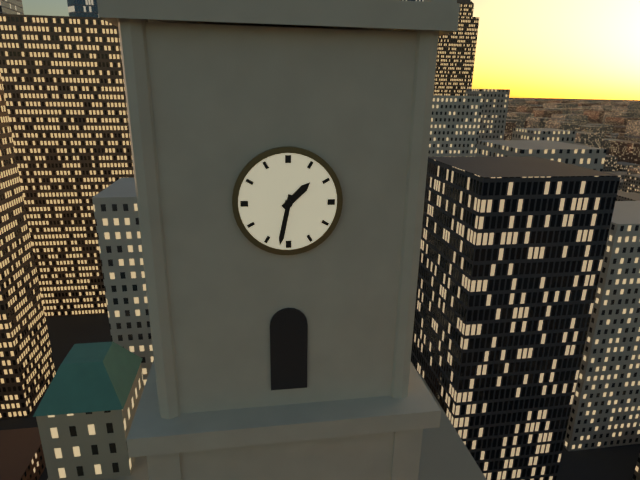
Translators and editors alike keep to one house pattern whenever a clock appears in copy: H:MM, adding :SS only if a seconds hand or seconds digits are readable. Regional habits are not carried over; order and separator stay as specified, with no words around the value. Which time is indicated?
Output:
1:32
